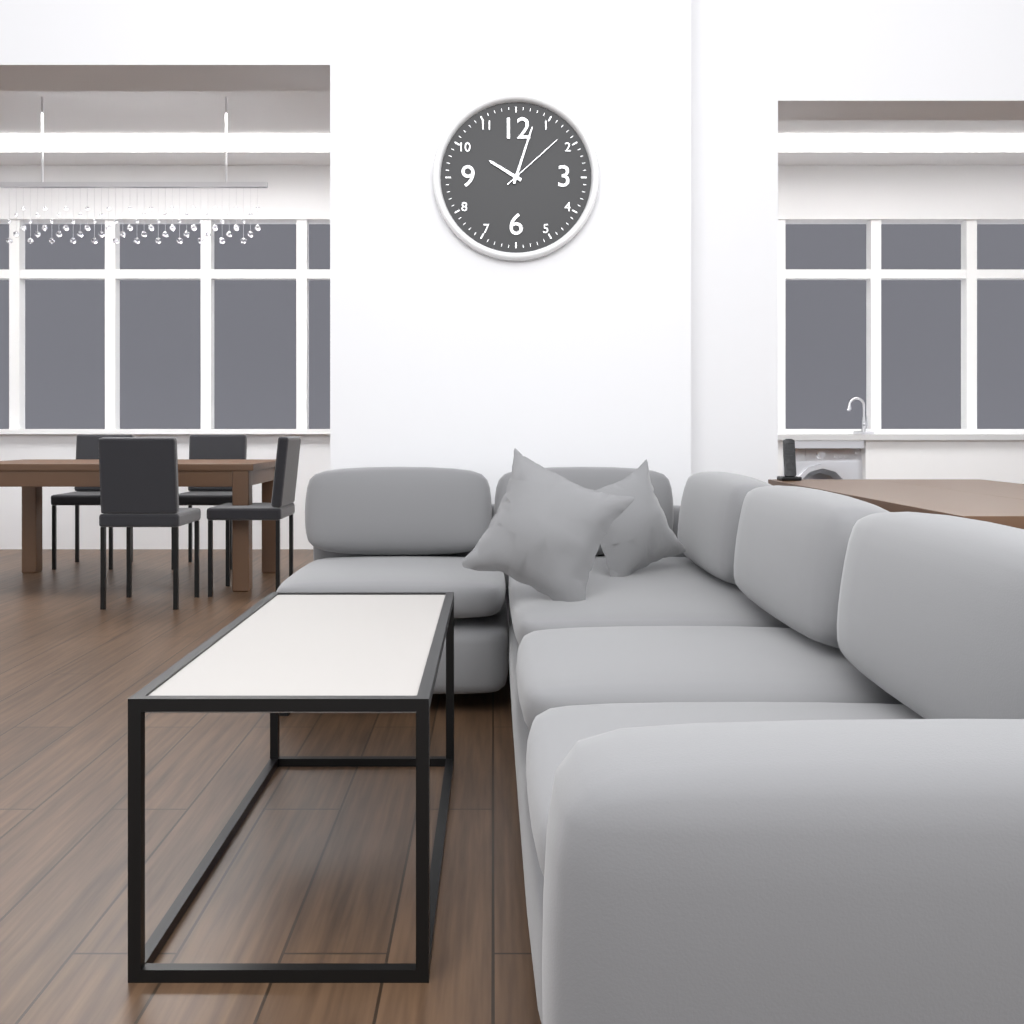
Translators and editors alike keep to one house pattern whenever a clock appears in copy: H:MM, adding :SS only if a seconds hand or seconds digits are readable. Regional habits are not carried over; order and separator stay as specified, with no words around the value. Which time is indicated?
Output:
10:03:08
